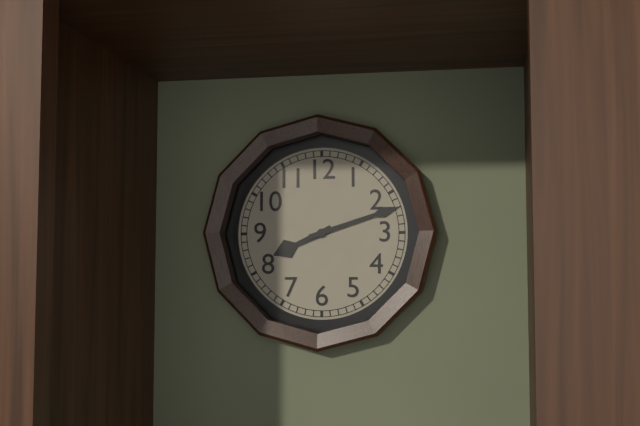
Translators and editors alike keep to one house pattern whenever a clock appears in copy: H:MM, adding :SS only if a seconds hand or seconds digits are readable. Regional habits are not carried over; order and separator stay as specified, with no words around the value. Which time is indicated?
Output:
8:12
